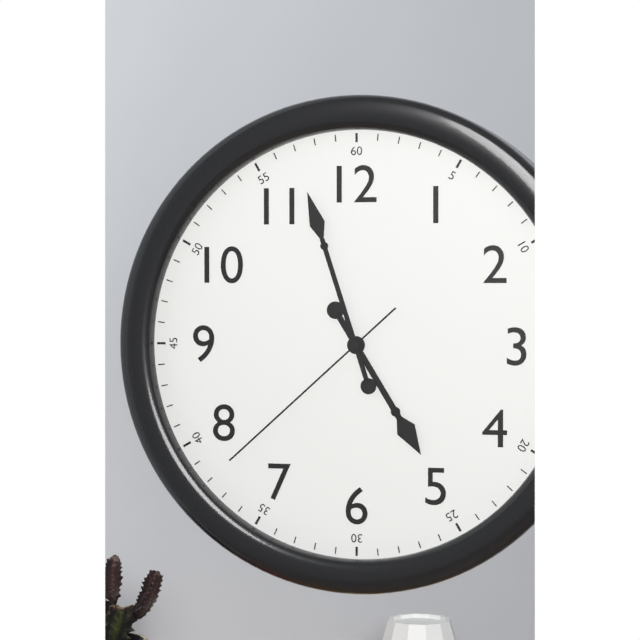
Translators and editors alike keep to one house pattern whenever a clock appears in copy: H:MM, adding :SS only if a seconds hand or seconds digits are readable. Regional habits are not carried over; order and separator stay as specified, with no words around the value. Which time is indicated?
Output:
4:57:38
